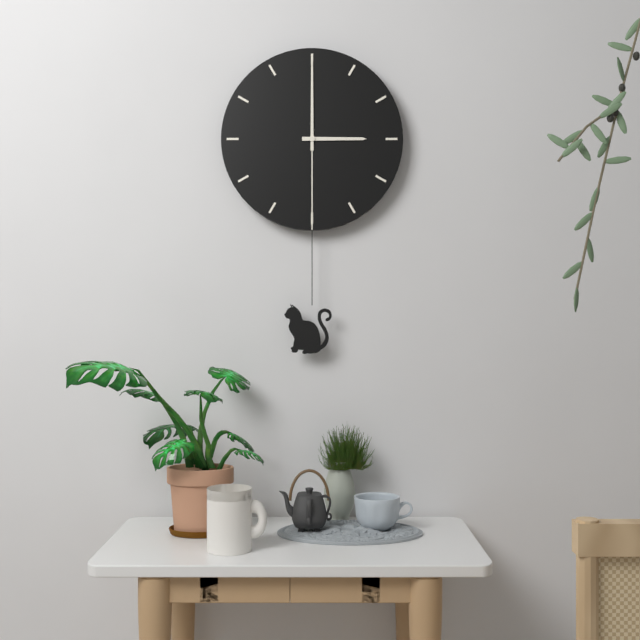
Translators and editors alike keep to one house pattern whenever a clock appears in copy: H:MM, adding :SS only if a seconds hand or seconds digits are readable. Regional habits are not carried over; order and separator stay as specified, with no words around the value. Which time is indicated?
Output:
3:00
